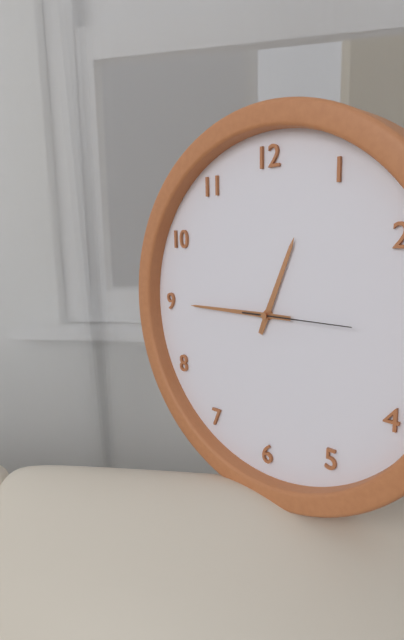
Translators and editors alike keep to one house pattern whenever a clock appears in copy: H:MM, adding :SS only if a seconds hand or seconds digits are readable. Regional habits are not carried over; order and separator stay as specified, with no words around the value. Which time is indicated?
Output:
12:45:15
